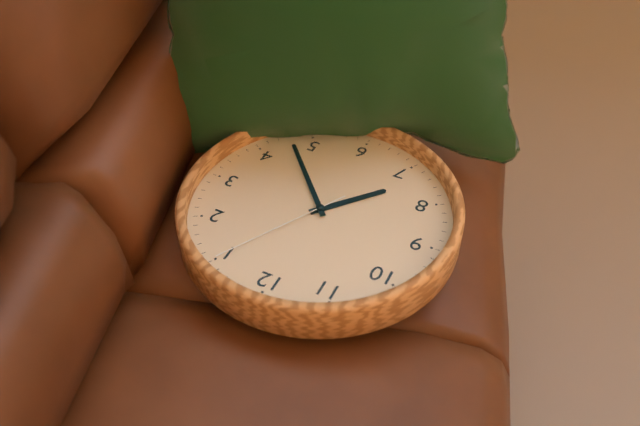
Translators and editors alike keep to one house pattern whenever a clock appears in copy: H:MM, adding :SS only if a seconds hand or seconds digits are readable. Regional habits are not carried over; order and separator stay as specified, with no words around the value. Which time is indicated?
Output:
7:23:05
